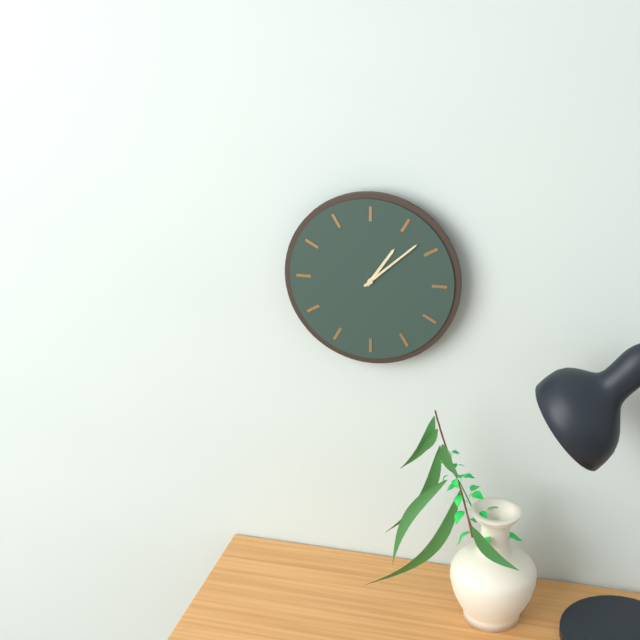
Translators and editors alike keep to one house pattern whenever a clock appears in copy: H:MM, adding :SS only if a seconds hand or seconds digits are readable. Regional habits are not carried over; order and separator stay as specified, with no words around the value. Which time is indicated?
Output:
1:08
